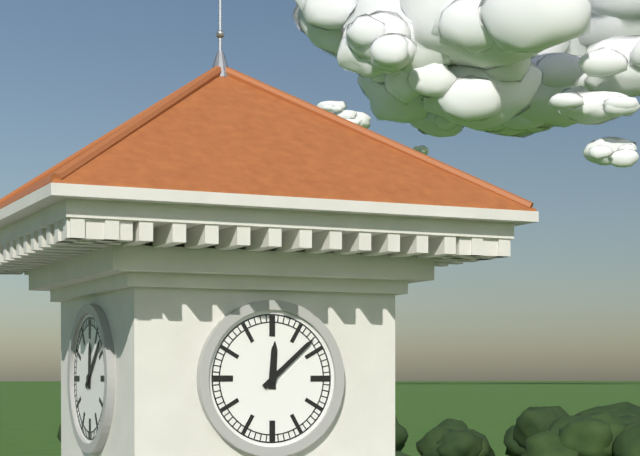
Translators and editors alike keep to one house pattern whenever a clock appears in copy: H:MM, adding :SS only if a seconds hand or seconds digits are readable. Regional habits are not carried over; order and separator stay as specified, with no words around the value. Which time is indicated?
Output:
12:08
